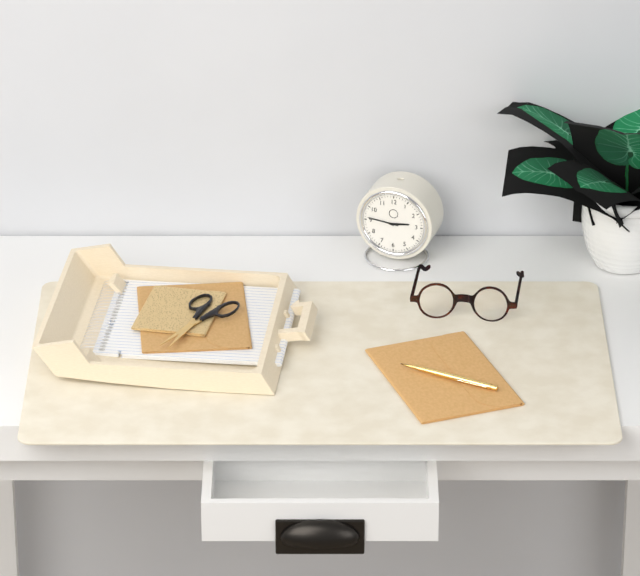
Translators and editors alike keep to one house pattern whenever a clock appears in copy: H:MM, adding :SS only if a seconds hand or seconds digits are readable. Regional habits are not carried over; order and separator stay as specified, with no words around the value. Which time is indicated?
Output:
2:46
